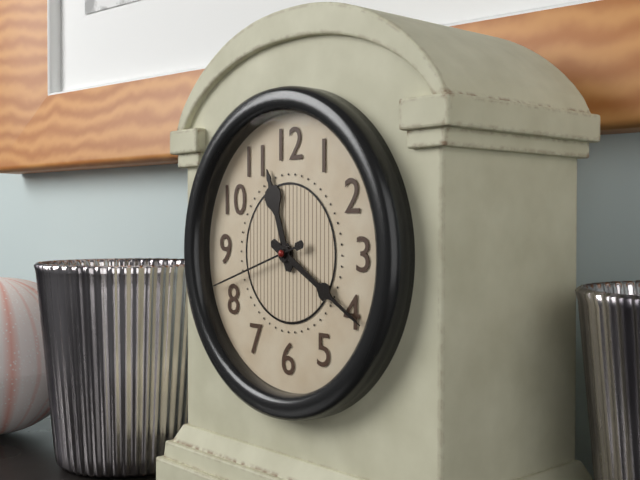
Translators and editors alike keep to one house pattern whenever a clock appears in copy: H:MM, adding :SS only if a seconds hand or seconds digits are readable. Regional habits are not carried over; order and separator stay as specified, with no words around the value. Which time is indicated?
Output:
11:20:42
